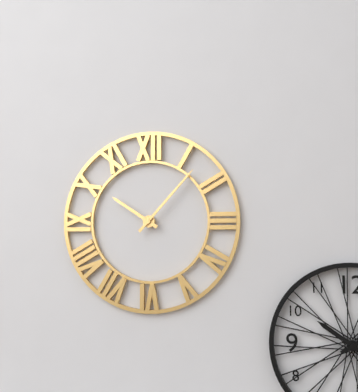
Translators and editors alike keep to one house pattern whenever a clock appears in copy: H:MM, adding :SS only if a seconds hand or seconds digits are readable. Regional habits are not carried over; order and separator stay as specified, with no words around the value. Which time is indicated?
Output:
10:07
